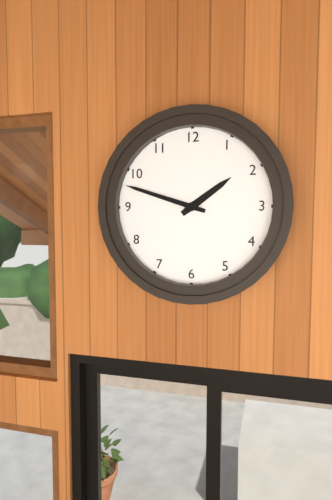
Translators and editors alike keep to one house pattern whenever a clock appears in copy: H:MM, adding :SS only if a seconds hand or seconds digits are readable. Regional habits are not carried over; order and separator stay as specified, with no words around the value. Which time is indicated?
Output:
1:48
